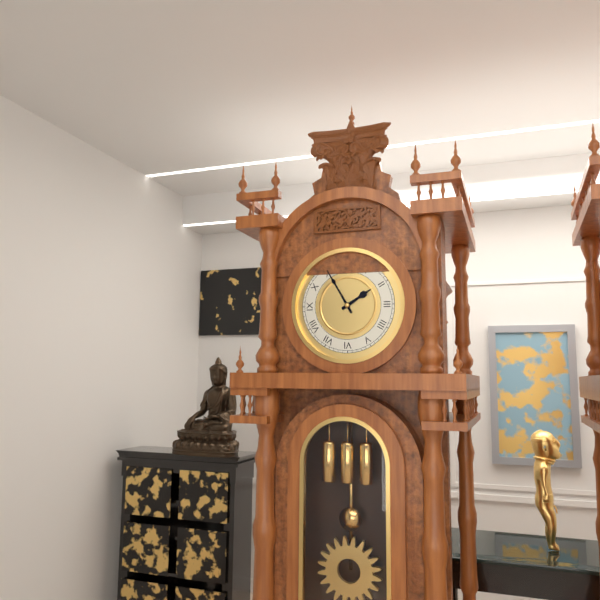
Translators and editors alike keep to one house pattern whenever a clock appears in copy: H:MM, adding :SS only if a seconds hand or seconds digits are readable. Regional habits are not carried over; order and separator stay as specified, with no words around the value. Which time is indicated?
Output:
1:55
